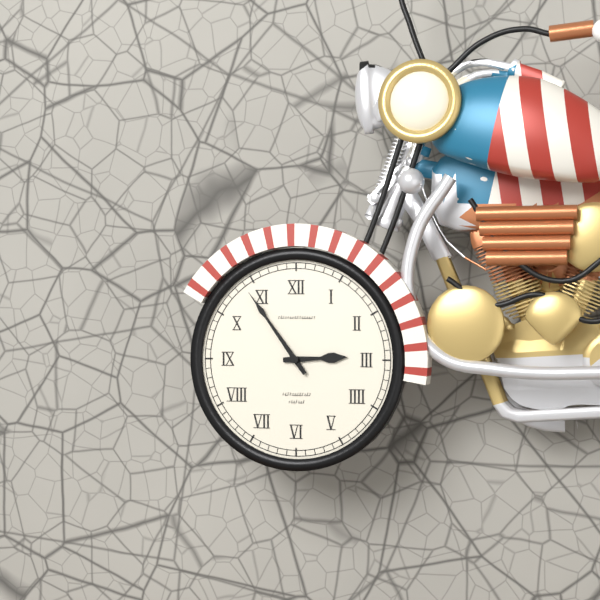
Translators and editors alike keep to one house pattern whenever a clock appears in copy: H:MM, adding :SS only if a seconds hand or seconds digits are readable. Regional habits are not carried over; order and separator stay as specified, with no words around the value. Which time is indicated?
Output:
2:54
